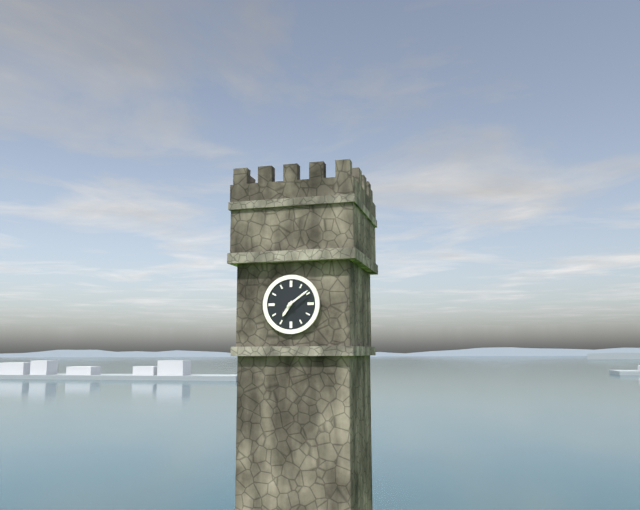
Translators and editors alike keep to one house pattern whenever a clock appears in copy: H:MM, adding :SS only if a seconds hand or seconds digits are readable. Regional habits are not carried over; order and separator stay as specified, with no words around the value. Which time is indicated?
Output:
7:09
